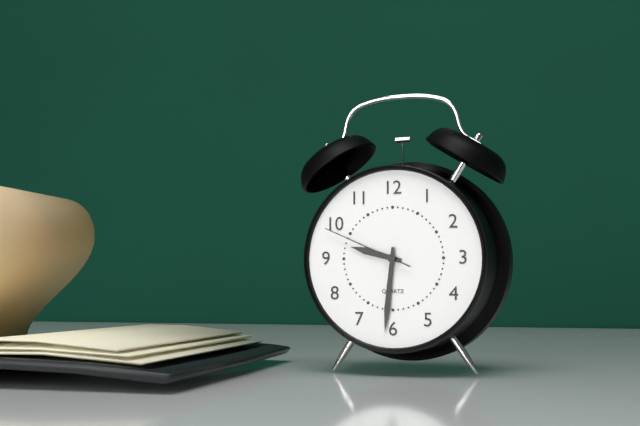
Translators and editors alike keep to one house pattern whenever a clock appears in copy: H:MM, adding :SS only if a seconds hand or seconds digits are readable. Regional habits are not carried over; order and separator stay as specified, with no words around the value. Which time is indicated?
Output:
9:31:49
